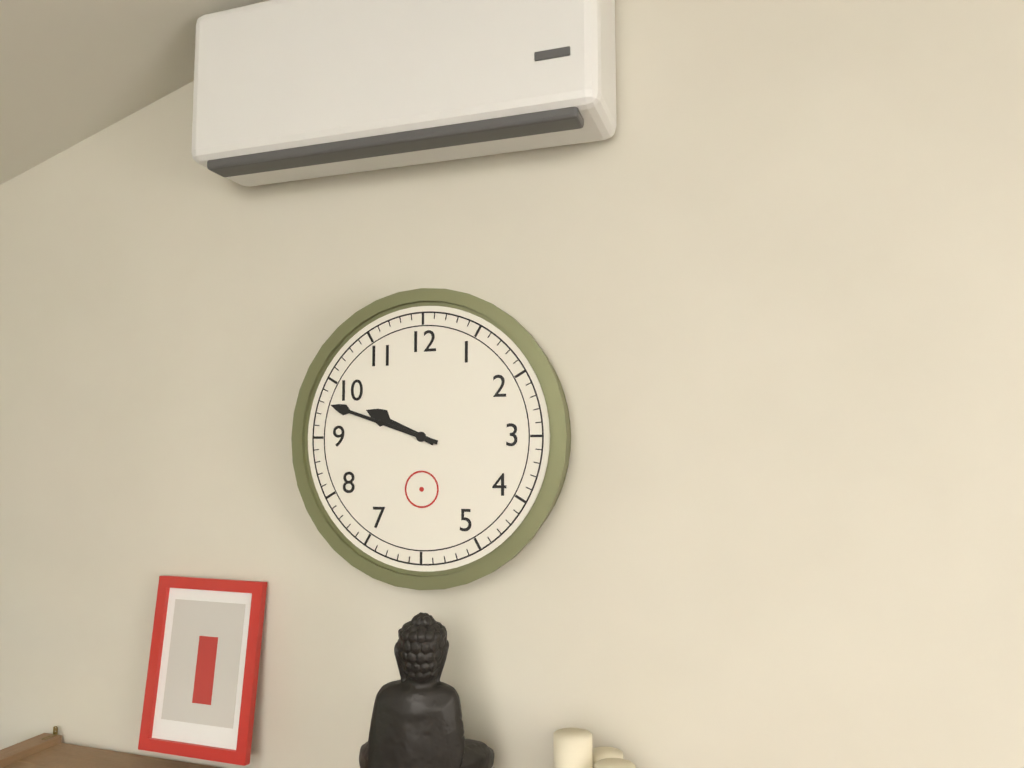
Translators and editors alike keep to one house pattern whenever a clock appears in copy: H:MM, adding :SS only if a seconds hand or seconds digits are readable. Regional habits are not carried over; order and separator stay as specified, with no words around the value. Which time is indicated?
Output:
9:48
